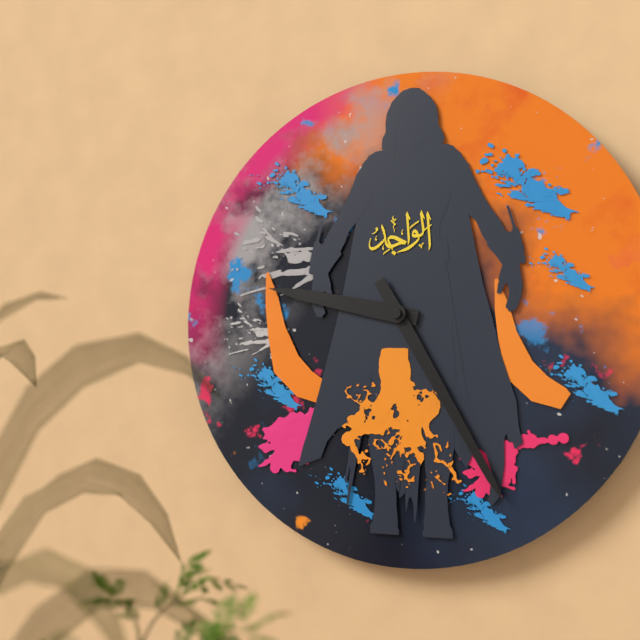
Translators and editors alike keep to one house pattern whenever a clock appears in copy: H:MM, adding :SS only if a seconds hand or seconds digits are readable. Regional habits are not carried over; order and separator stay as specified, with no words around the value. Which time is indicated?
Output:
9:25
